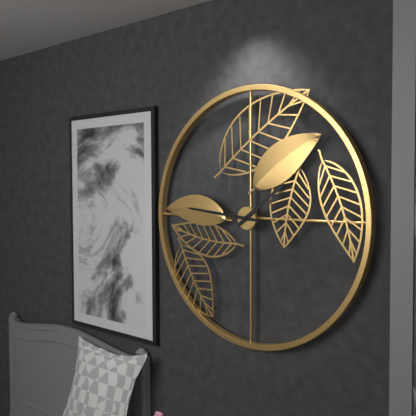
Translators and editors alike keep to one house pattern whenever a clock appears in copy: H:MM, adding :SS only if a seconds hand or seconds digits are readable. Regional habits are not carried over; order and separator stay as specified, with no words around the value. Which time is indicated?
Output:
1:46
